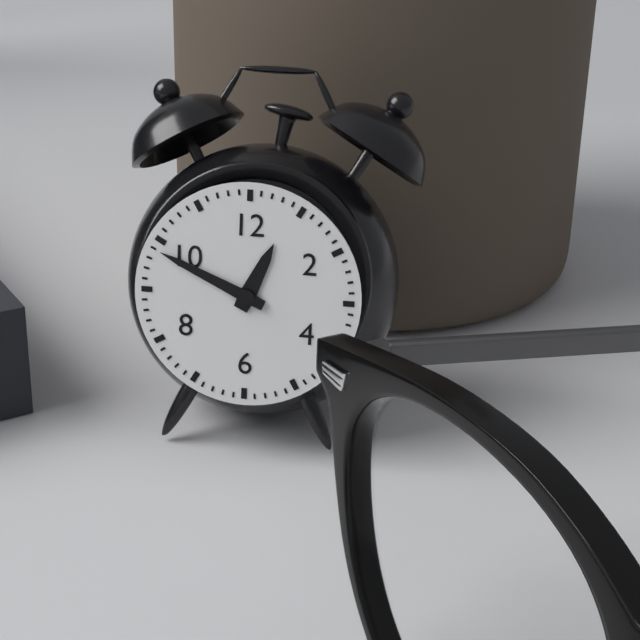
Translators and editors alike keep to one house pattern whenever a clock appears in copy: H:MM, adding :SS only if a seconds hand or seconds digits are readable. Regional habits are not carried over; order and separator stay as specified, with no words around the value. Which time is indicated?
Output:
12:49
